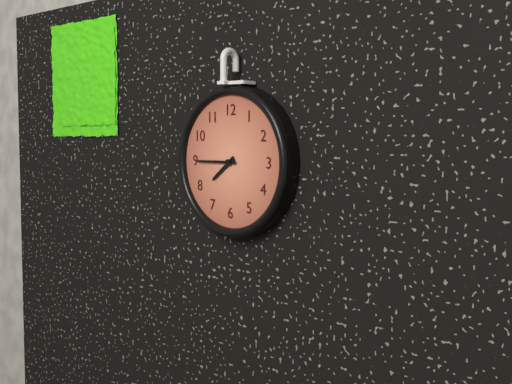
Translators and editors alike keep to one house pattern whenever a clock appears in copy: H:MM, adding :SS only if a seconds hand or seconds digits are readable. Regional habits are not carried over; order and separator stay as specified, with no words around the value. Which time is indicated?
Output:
7:45
